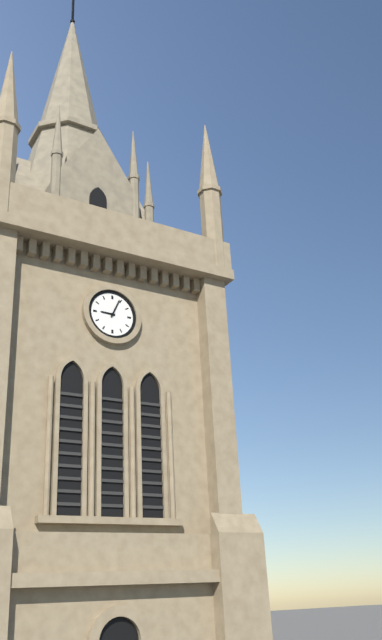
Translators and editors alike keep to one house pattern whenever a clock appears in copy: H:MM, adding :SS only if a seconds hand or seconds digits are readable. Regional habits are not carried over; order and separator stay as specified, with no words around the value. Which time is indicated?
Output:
9:04
